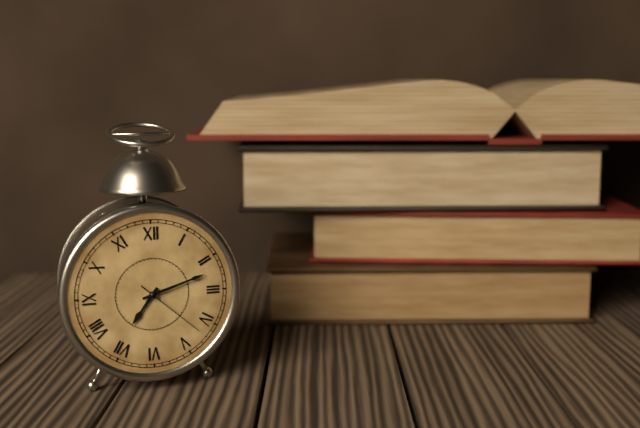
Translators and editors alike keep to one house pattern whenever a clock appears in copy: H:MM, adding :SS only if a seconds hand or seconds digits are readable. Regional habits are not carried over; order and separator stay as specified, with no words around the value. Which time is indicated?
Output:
7:12:22
